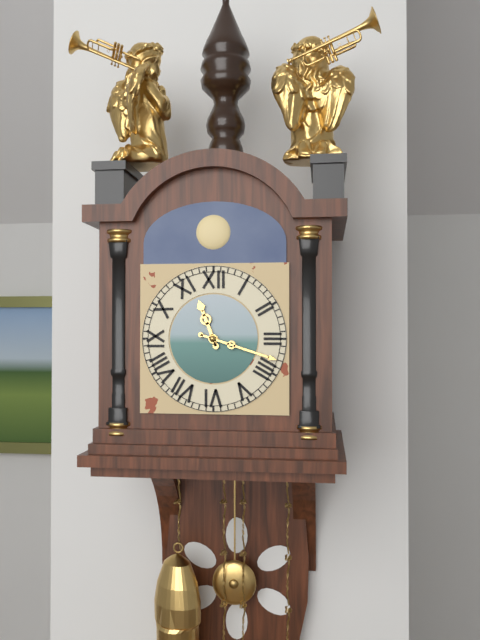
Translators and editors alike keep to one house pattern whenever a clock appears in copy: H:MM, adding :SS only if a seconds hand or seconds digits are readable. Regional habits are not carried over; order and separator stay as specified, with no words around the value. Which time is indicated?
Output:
11:18
